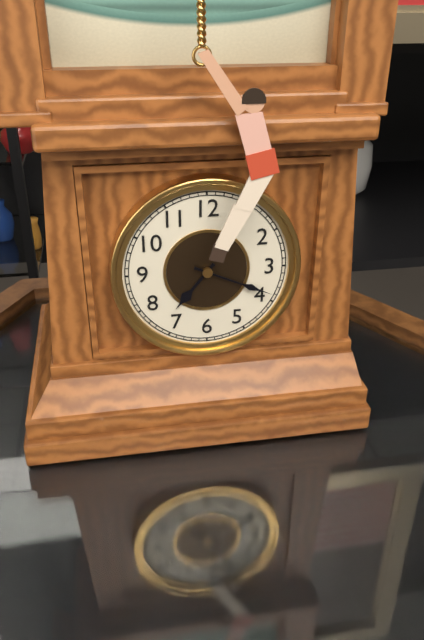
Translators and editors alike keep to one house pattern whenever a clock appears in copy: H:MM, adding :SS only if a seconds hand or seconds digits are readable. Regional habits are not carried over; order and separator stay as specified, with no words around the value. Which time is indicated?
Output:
7:19
